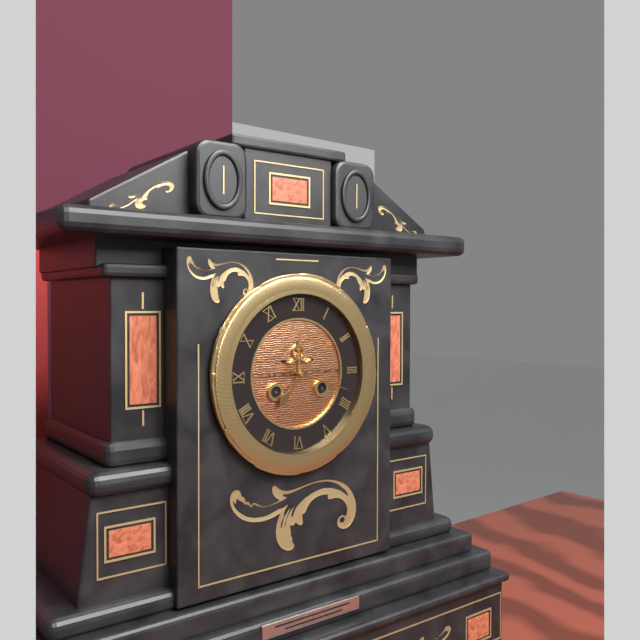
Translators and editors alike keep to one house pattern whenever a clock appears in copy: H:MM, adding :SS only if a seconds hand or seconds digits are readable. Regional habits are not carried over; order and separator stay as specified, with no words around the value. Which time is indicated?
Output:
7:18
